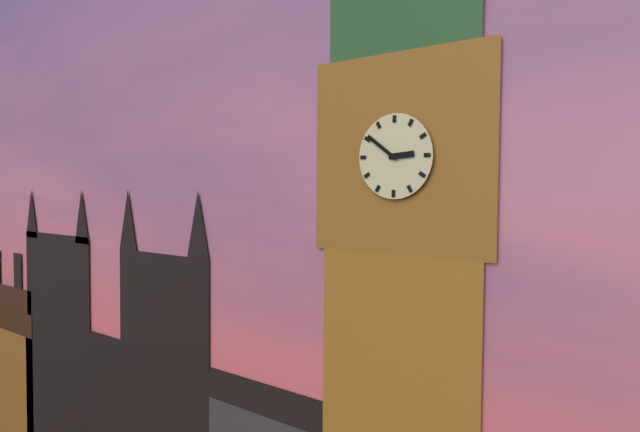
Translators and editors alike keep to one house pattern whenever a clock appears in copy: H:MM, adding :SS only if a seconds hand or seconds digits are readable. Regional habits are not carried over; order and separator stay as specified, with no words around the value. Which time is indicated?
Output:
2:51
